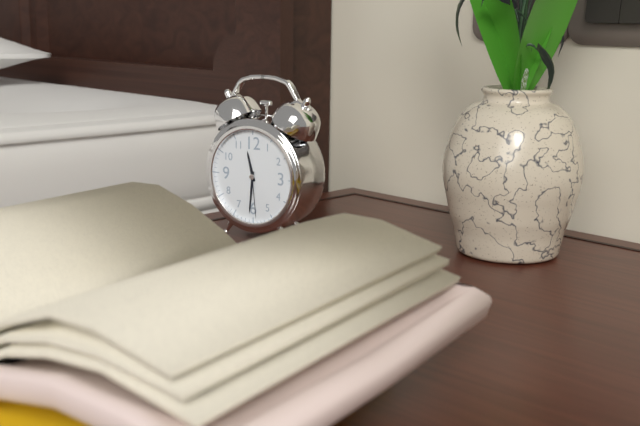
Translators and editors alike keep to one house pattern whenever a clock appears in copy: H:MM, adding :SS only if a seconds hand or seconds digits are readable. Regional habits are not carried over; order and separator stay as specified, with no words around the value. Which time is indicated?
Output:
11:31:29
